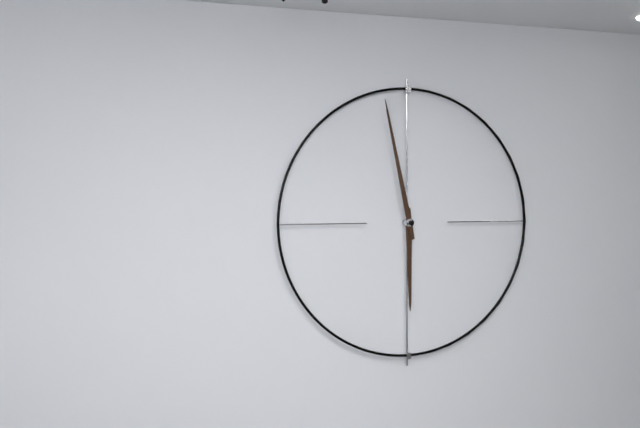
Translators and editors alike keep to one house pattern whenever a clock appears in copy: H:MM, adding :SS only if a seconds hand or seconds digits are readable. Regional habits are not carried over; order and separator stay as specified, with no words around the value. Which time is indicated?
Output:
5:58
